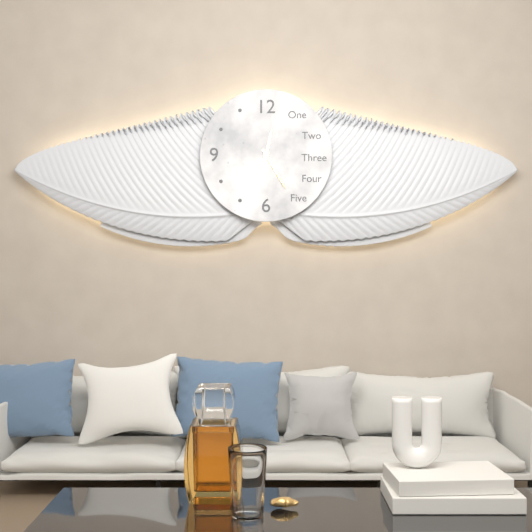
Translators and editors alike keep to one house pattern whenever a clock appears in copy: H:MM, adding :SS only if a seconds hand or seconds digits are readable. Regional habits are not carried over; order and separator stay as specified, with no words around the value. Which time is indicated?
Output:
12:25
